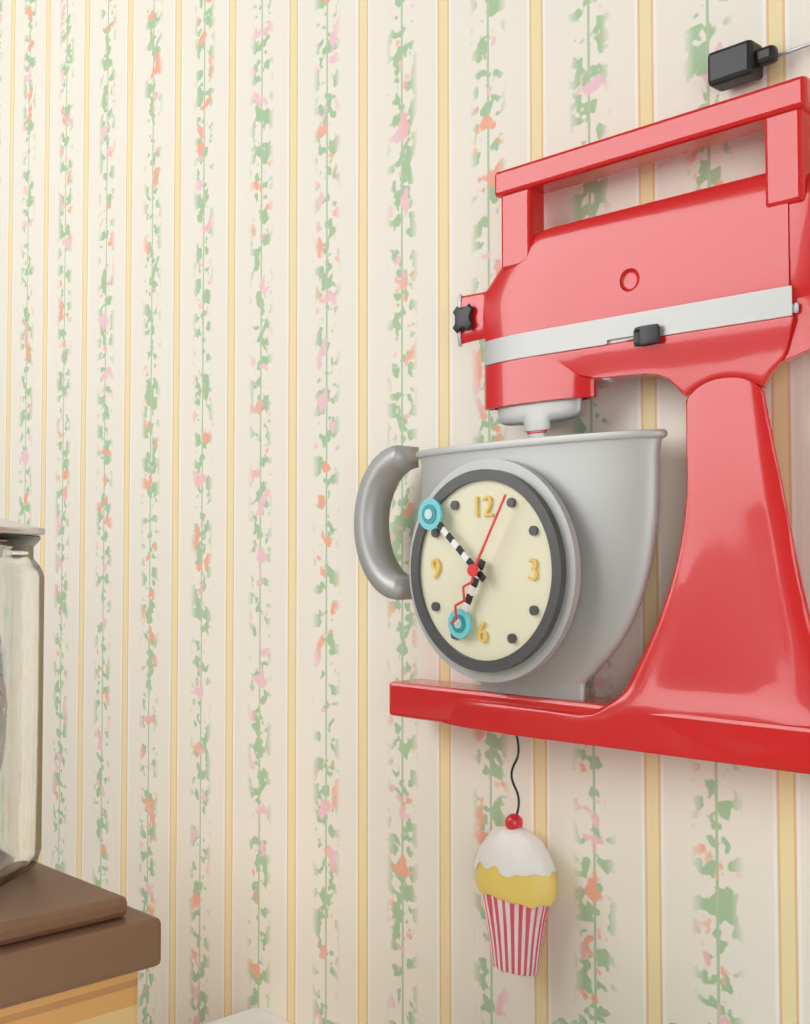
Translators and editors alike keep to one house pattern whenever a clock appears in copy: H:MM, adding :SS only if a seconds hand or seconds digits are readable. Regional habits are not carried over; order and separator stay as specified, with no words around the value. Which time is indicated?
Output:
6:52:05
